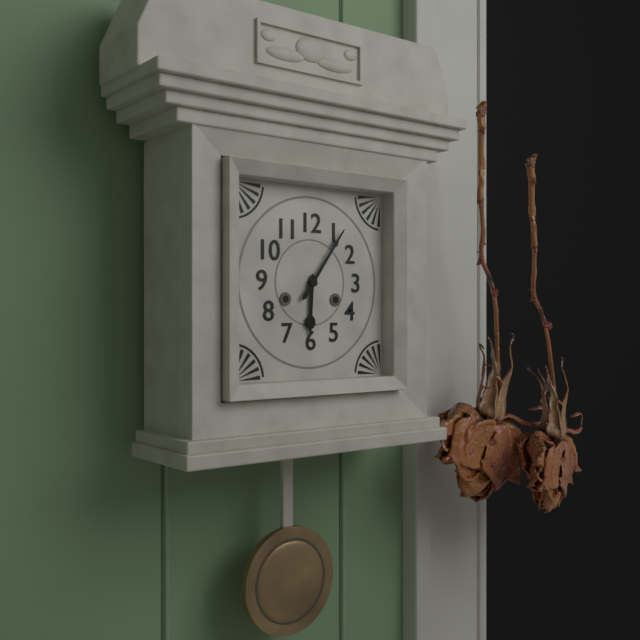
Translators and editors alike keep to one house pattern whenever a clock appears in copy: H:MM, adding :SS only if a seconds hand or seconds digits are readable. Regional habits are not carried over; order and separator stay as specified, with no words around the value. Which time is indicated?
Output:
6:06
